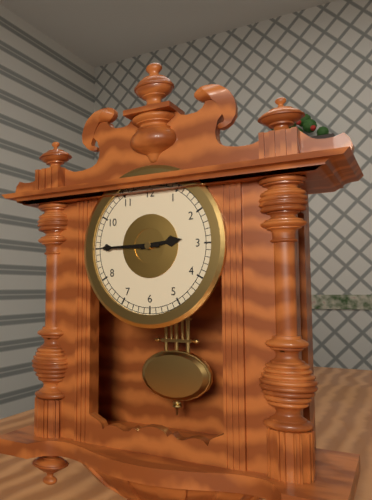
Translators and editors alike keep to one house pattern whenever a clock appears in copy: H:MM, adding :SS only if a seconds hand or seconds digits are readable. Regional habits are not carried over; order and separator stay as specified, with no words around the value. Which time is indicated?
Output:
2:45
